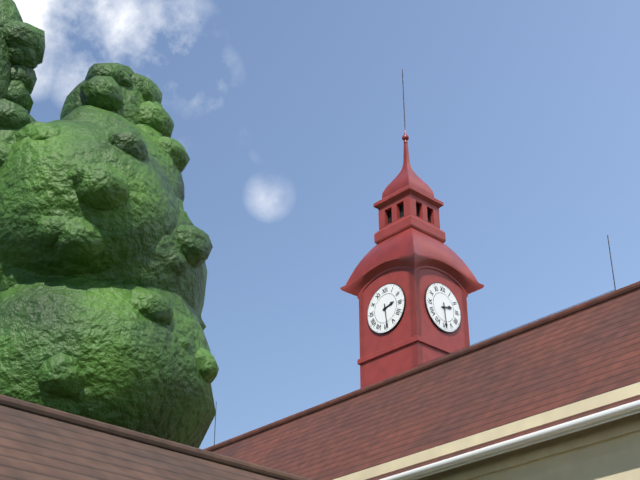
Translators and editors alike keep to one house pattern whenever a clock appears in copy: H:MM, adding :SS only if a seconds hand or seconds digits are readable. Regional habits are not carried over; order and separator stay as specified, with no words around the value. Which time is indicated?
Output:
2:29
